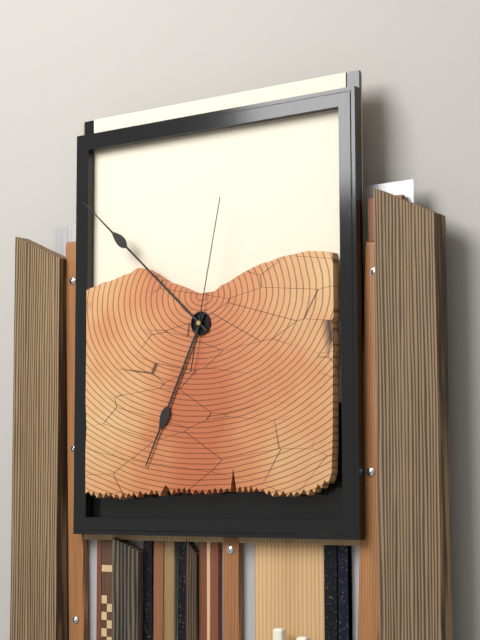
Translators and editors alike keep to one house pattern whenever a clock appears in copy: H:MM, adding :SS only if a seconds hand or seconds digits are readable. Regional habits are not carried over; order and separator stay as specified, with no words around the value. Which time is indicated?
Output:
6:52:02
